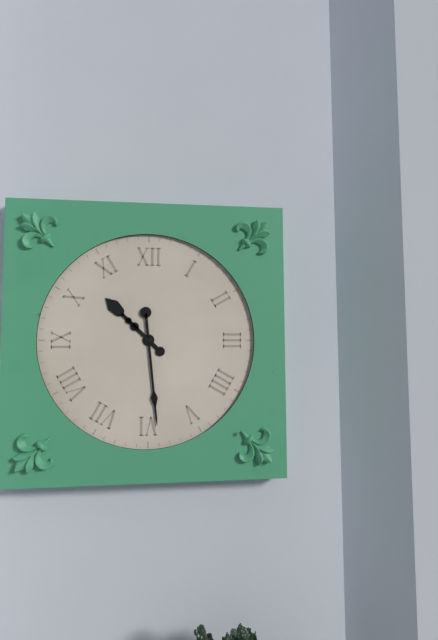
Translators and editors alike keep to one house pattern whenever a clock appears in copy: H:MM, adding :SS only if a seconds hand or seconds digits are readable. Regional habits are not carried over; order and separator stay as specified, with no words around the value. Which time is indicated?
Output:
10:29
